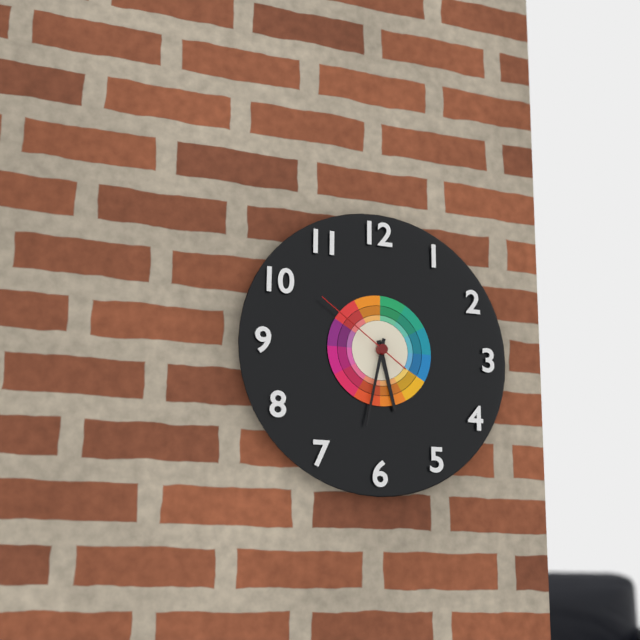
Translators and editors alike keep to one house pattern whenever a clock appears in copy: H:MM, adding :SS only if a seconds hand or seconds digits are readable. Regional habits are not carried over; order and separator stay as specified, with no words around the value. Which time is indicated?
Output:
5:32:51
